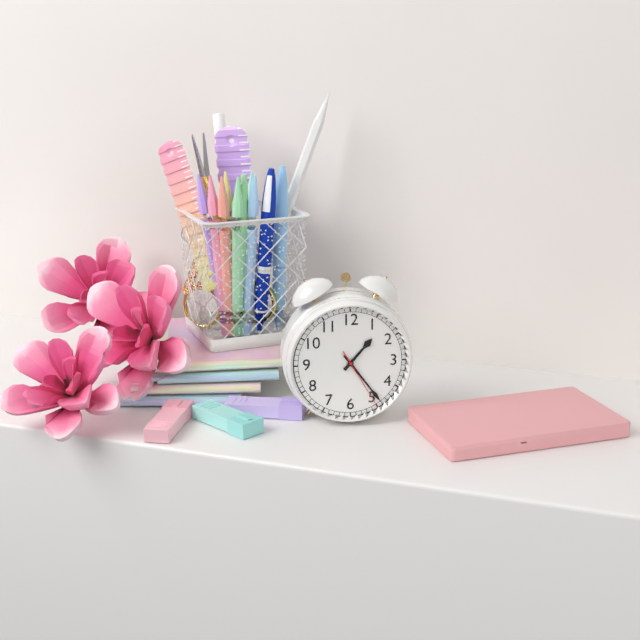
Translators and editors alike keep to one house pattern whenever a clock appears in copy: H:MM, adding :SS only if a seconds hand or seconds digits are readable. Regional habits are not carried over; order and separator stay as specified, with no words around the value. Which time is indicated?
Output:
1:24:25
